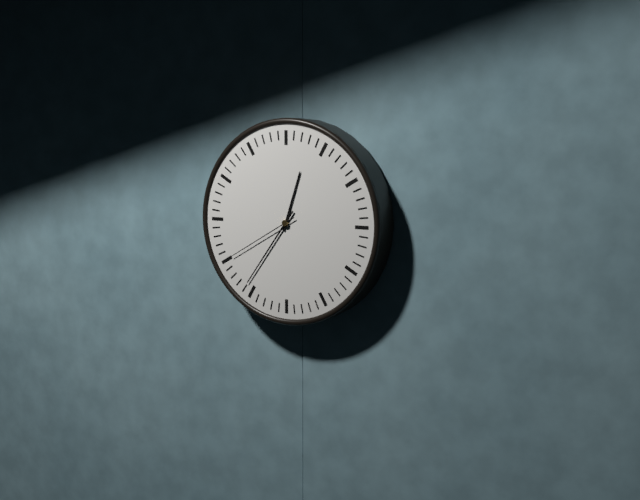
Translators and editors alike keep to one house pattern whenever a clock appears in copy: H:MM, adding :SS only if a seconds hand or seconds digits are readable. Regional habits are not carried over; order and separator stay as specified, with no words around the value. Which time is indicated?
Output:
12:36:40
